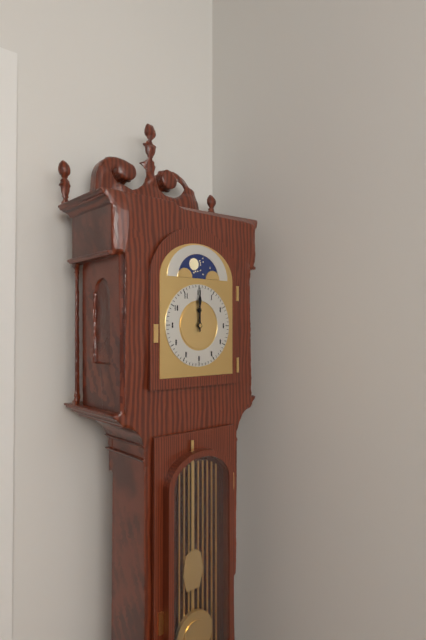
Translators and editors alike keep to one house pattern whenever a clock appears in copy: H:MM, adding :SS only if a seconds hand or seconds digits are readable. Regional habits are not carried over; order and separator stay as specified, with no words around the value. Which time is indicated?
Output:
12:00
